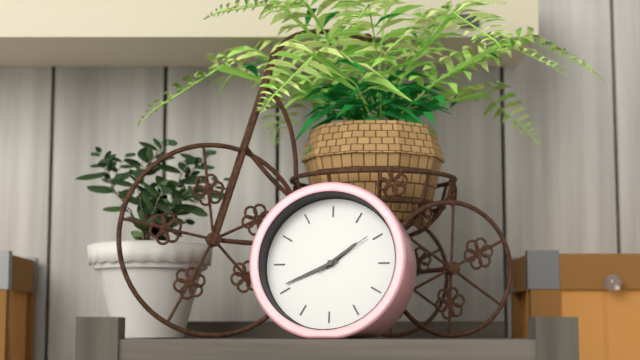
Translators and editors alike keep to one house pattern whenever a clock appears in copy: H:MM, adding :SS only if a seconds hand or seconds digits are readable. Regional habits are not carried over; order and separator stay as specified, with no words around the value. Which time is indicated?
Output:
1:41:09
